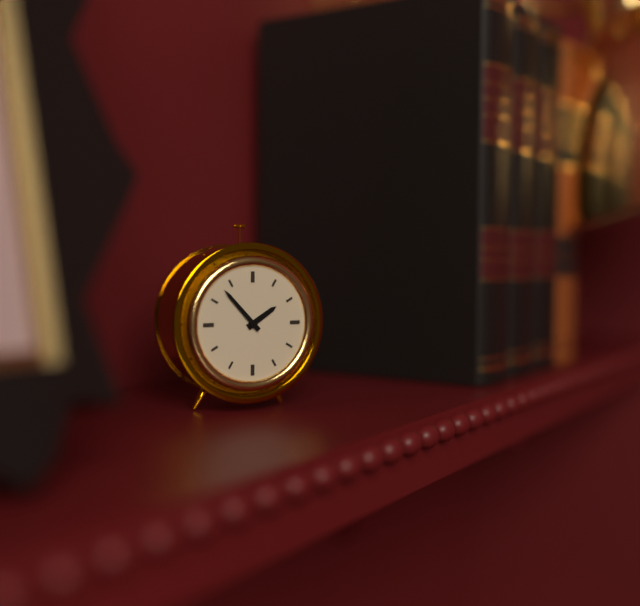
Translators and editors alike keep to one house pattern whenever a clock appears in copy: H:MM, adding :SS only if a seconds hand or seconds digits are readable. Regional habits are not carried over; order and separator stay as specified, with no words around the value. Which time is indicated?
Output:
1:53
